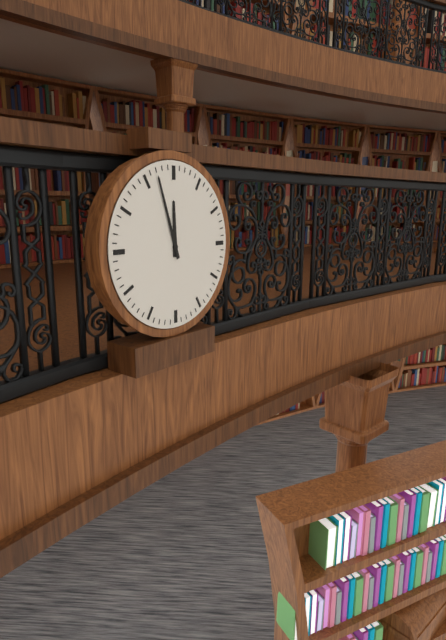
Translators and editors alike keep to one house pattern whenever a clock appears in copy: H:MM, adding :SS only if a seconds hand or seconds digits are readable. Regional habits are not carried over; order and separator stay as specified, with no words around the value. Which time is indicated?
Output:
11:57
